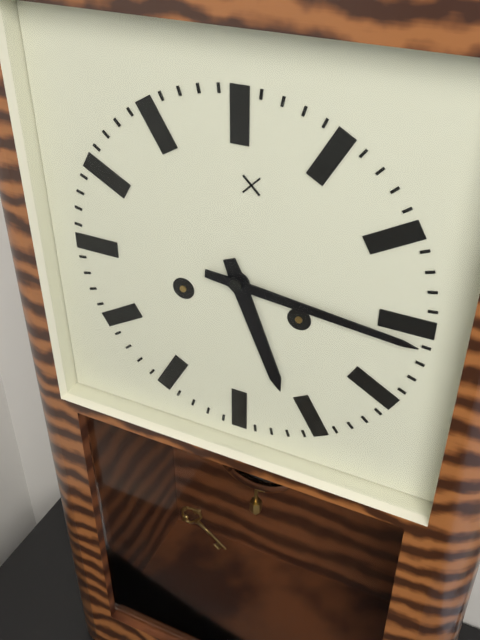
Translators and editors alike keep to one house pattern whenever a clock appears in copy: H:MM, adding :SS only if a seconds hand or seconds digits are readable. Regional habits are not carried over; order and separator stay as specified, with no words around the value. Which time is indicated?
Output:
5:16
